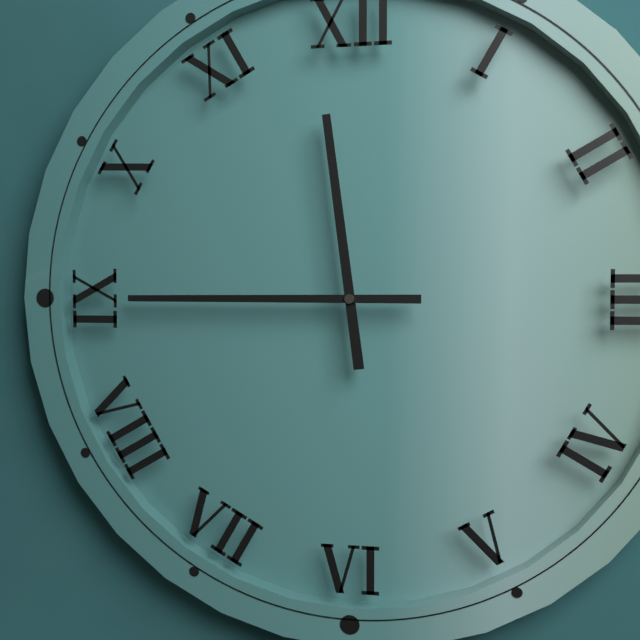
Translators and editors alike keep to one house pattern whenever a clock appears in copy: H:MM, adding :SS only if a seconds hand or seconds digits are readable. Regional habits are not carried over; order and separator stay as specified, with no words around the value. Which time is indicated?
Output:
11:45
